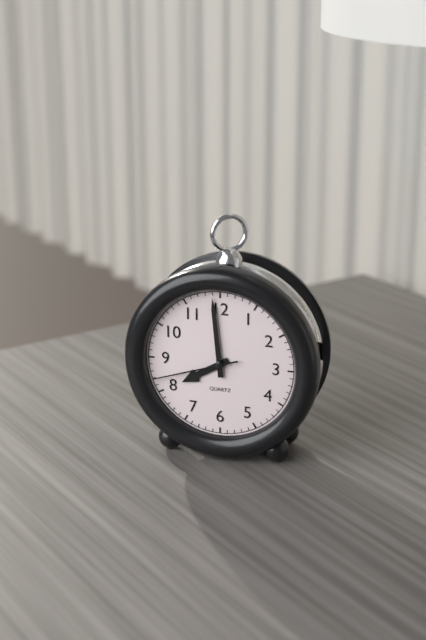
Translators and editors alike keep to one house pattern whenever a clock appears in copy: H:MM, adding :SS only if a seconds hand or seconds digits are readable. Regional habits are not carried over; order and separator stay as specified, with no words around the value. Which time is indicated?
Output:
7:59:42
